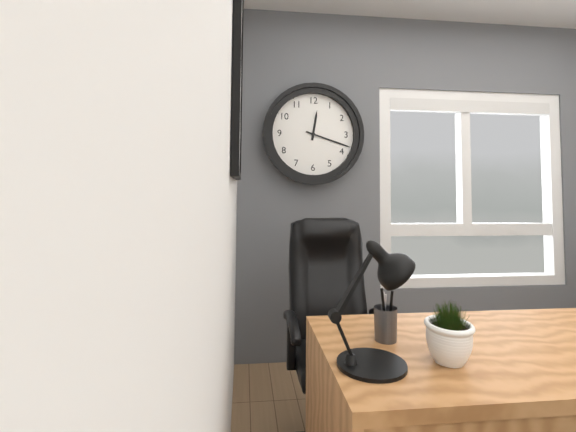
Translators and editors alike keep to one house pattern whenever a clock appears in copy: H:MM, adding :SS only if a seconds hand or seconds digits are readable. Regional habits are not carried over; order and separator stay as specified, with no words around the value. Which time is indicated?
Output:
12:18
